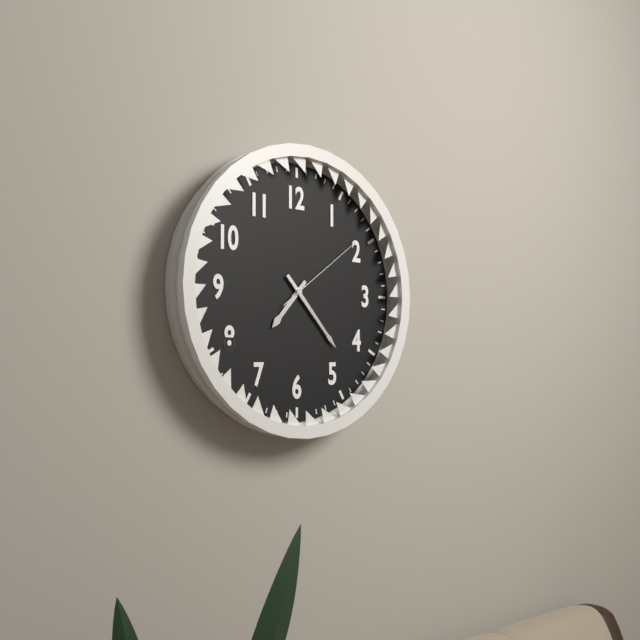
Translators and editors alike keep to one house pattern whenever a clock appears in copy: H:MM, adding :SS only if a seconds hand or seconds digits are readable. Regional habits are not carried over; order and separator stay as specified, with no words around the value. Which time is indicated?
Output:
7:23:09
